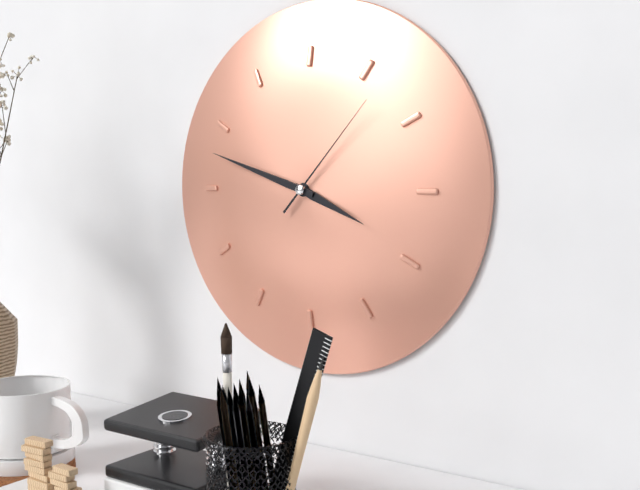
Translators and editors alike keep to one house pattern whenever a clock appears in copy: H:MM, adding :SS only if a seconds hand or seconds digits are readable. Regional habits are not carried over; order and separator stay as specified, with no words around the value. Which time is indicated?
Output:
3:48:07
